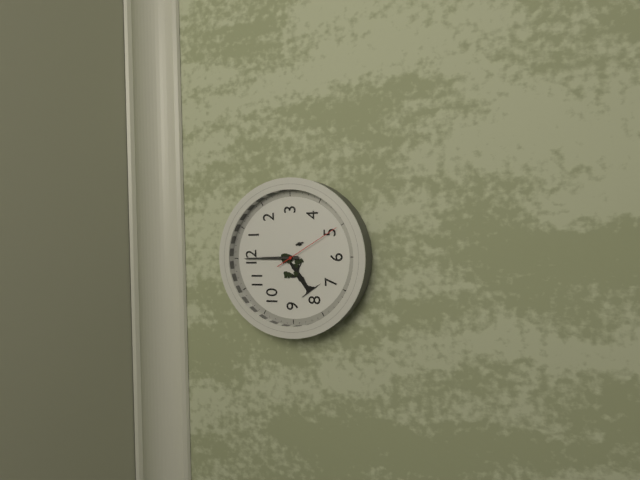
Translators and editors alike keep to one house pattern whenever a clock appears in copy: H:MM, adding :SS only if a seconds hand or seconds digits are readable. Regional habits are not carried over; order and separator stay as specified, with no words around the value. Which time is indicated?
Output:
12:00:25
